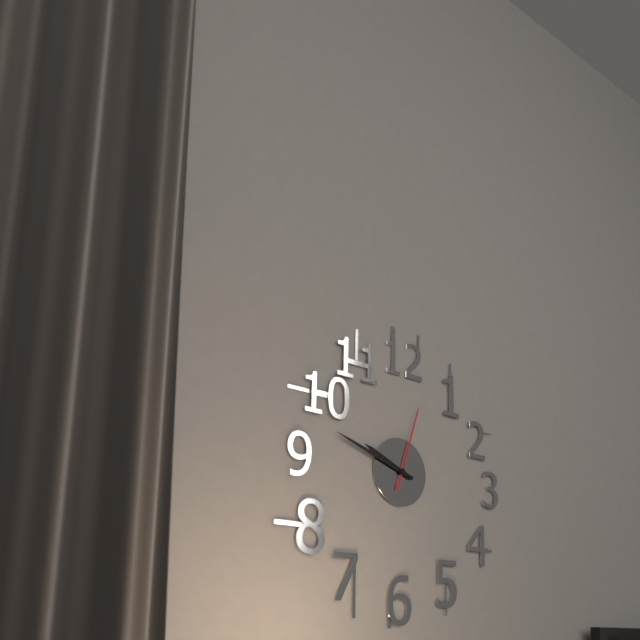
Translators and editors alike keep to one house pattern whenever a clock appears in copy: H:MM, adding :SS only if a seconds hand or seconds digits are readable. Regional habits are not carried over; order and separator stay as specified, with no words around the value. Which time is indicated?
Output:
9:48:03
